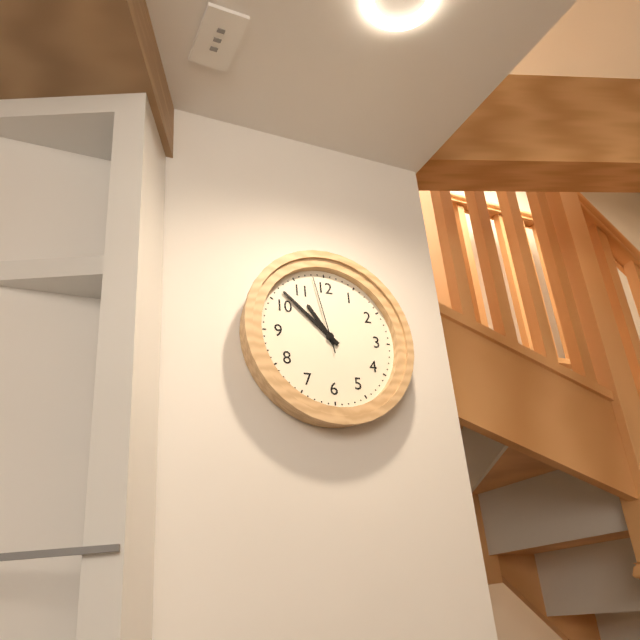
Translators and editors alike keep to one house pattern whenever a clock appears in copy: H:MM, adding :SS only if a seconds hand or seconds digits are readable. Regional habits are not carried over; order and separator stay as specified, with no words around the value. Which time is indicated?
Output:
10:52:58
